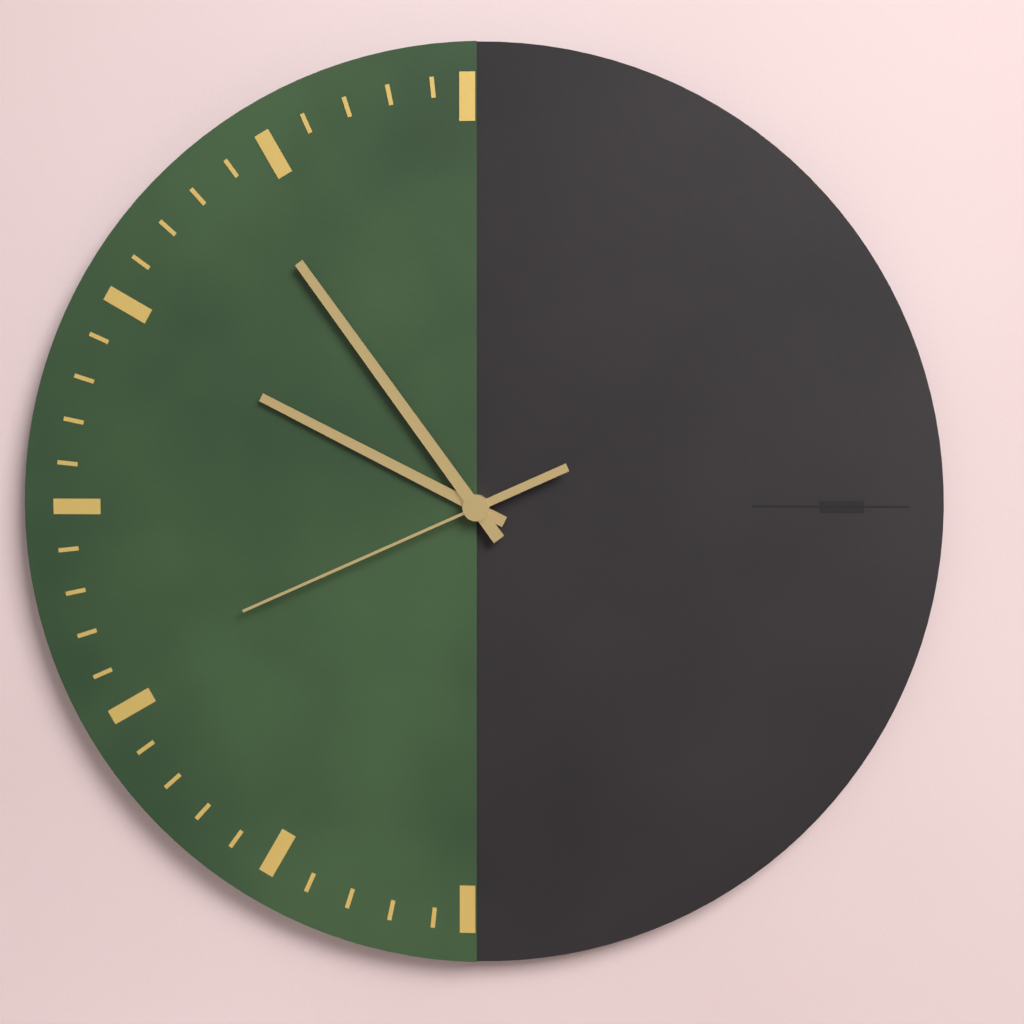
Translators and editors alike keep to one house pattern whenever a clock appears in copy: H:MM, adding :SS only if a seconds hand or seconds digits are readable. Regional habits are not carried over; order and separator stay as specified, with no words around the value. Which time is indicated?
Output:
9:54:41
